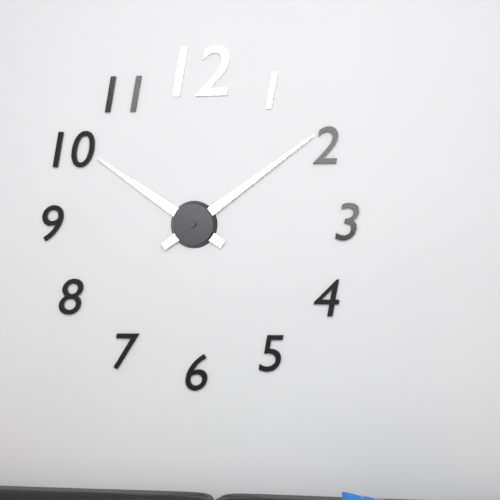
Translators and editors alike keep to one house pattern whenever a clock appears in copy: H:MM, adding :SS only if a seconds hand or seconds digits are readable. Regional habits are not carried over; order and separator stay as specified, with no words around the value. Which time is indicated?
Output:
10:09
